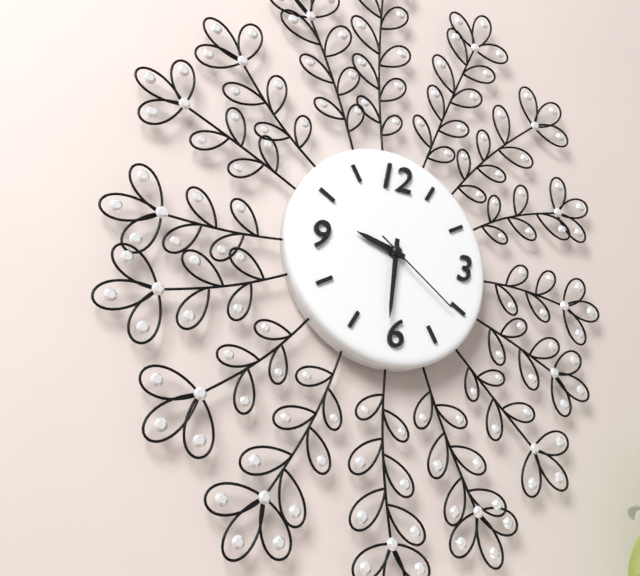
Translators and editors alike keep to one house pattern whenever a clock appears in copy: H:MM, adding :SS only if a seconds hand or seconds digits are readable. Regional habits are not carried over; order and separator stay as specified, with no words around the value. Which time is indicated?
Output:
9:31:21
